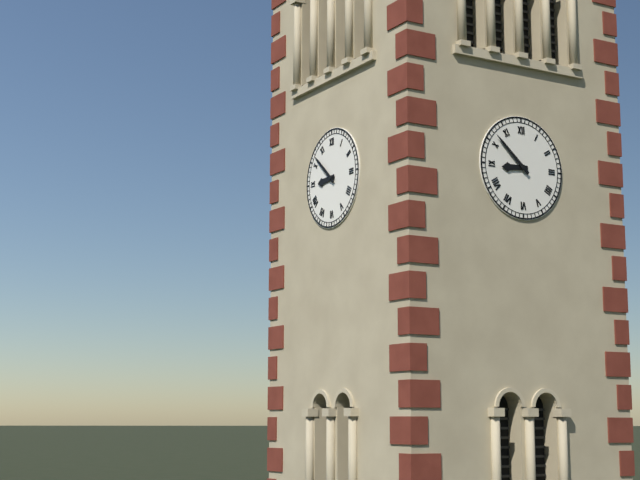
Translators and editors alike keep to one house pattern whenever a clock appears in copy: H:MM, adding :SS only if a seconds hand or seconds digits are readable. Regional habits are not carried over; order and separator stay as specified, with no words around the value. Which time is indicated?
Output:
8:52
